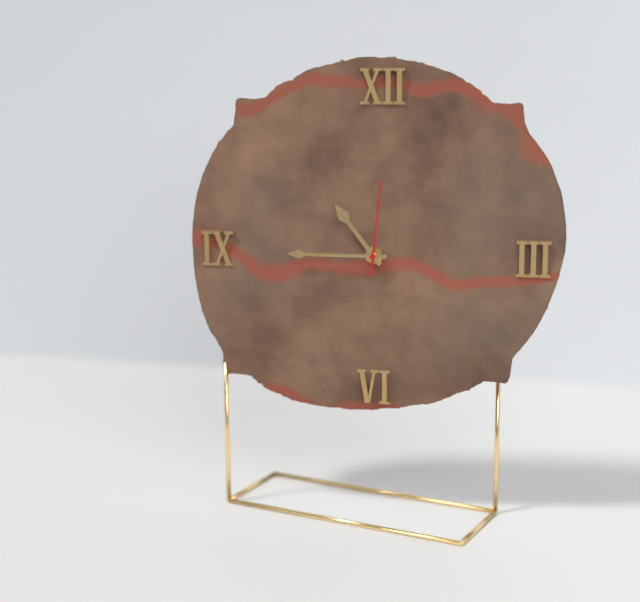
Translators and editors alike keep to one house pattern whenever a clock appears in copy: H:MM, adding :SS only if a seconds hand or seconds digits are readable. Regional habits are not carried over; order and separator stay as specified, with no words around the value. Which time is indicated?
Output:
10:45:01
